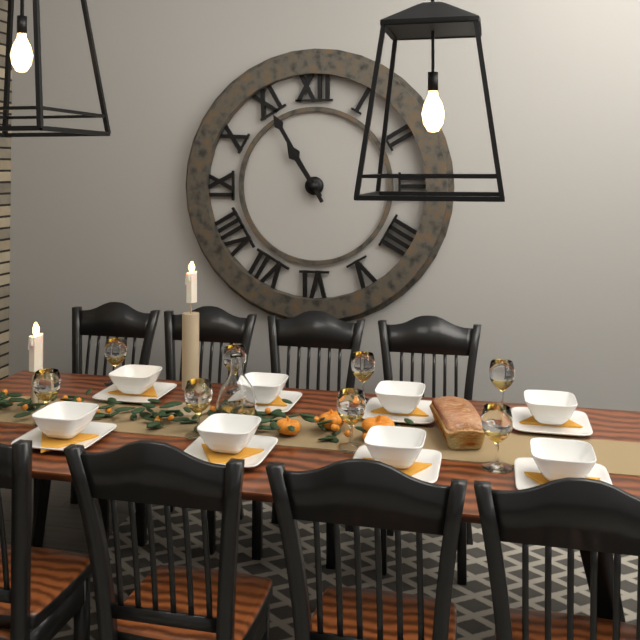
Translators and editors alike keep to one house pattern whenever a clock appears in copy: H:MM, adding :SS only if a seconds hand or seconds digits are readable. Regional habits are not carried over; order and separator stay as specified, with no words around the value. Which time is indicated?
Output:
10:55
